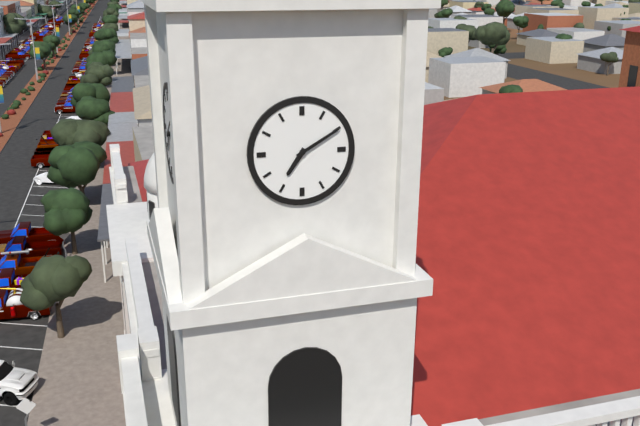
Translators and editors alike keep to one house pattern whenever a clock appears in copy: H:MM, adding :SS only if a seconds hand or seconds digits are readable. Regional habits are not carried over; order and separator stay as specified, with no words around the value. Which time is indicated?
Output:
7:10
